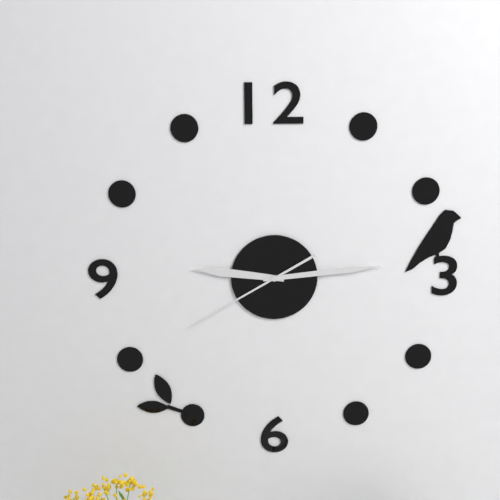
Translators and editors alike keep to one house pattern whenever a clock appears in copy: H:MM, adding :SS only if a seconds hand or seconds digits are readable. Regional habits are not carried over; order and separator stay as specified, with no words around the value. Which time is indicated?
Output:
9:14:40
